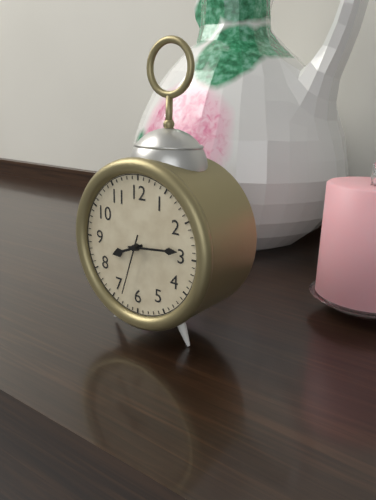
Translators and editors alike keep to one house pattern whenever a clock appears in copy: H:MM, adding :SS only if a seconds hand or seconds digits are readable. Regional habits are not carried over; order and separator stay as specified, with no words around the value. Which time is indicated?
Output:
8:14:33
